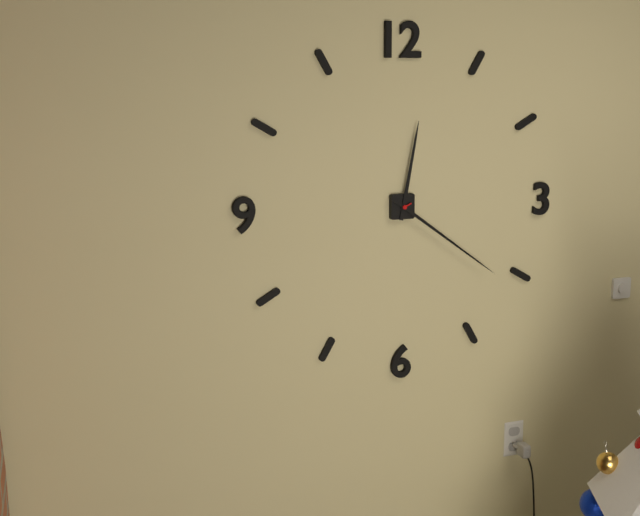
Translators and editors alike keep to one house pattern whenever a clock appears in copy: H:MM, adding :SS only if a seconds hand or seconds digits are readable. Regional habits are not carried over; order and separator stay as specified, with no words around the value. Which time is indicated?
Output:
12:21
